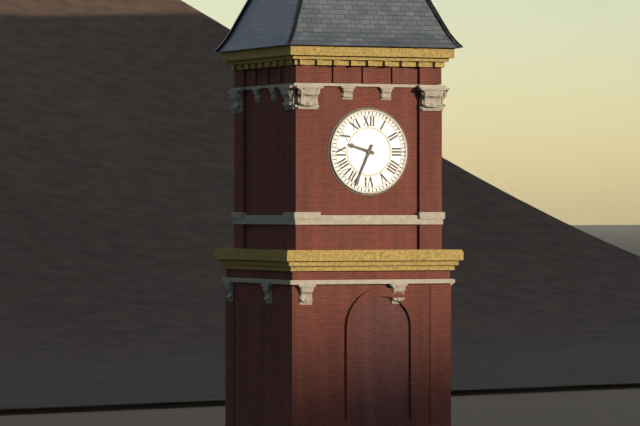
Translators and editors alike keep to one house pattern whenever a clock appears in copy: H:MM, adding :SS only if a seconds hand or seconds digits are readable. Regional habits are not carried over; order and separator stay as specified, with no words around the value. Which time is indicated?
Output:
9:34
